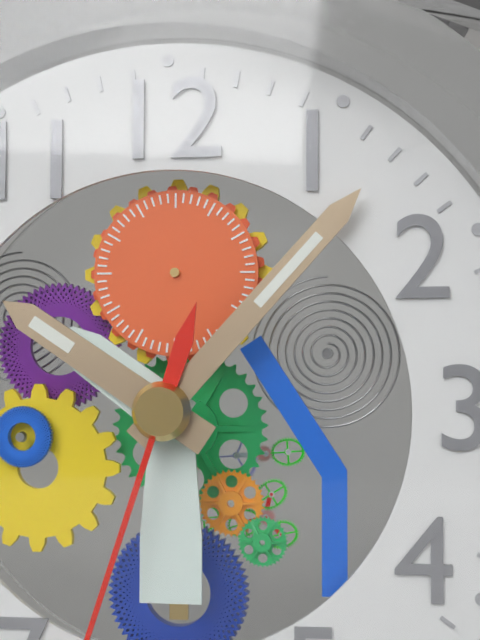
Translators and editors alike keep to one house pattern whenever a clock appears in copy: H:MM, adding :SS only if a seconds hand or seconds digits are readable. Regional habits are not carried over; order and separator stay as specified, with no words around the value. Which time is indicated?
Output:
10:07
